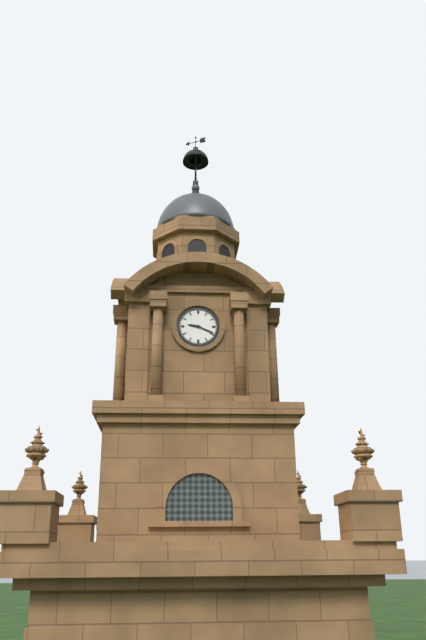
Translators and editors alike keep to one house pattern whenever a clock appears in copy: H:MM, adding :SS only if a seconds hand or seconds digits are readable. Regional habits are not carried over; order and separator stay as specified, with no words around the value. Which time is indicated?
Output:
9:19
